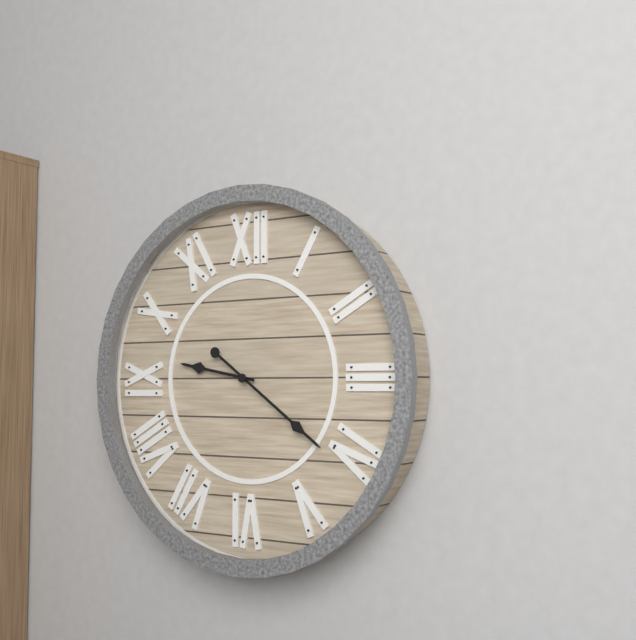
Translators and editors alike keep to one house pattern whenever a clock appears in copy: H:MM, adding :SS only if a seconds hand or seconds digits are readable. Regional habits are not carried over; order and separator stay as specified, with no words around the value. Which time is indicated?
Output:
9:21
